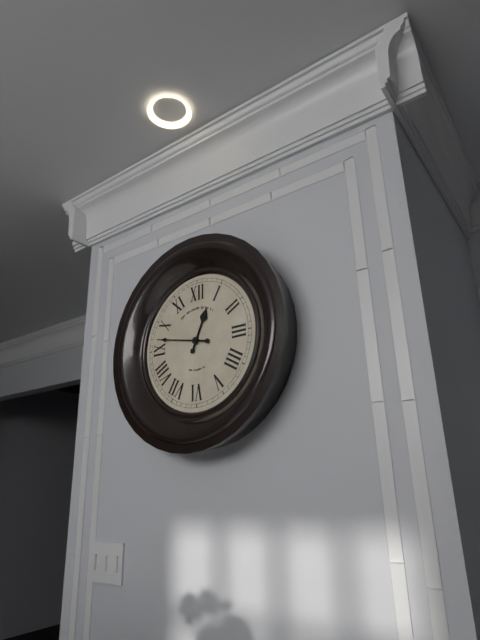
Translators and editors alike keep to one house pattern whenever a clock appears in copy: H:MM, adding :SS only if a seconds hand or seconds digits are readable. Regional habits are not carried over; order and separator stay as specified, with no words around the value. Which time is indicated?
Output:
12:47
